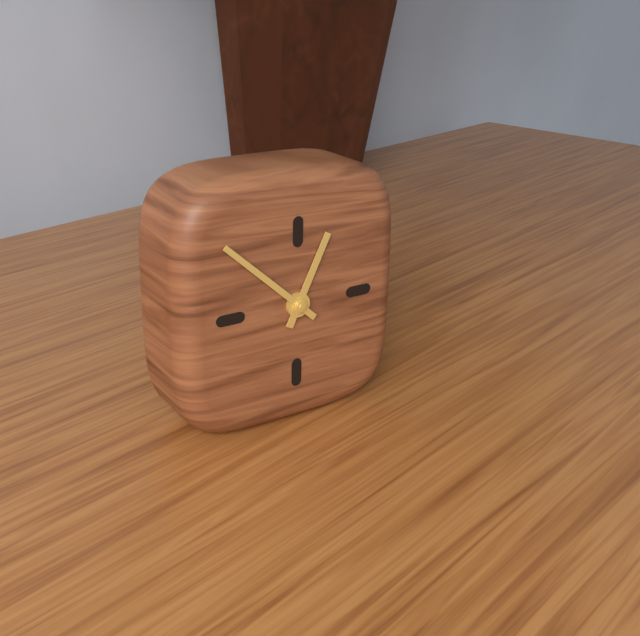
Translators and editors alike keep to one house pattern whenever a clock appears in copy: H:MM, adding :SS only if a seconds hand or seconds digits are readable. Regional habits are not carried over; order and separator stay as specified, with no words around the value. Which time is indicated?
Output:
12:52
